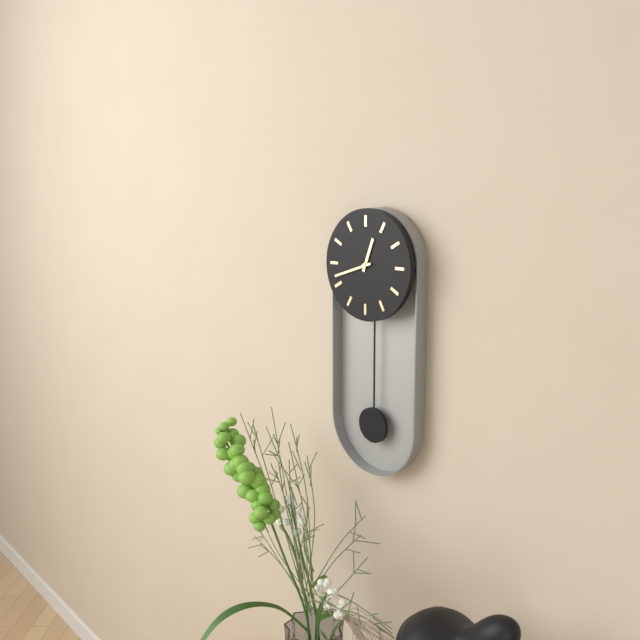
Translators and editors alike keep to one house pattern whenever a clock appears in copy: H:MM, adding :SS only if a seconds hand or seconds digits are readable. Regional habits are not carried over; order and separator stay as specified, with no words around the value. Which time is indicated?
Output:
12:42
